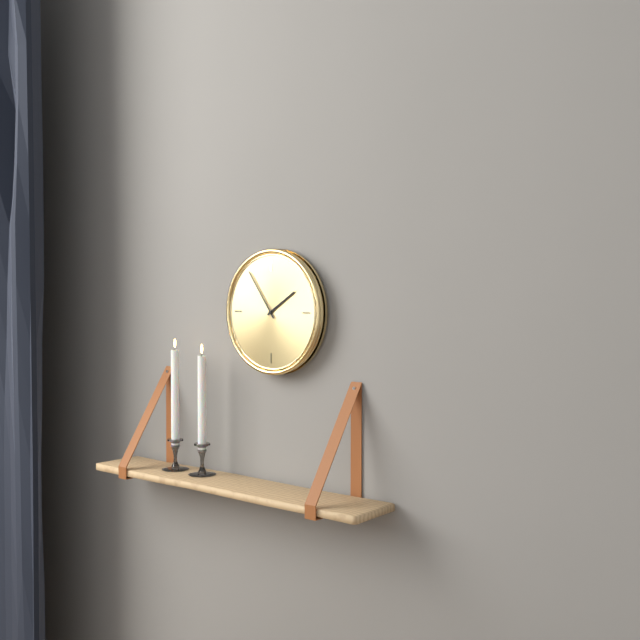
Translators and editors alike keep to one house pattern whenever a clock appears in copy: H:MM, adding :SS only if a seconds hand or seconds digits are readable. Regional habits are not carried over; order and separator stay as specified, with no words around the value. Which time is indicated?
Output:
1:54
